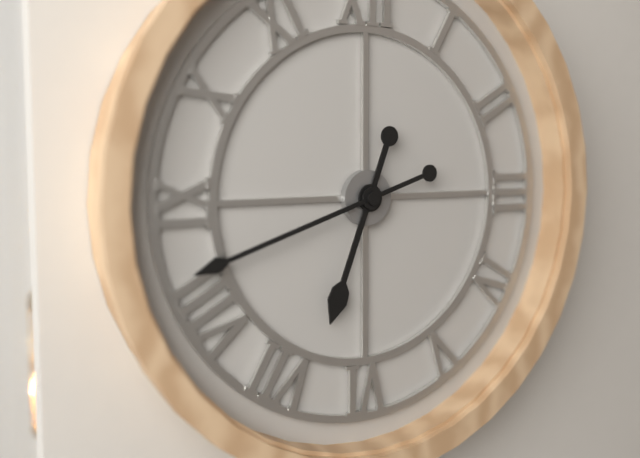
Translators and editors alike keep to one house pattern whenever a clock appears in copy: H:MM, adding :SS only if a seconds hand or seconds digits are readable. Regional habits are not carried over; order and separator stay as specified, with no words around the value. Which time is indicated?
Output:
6:42
